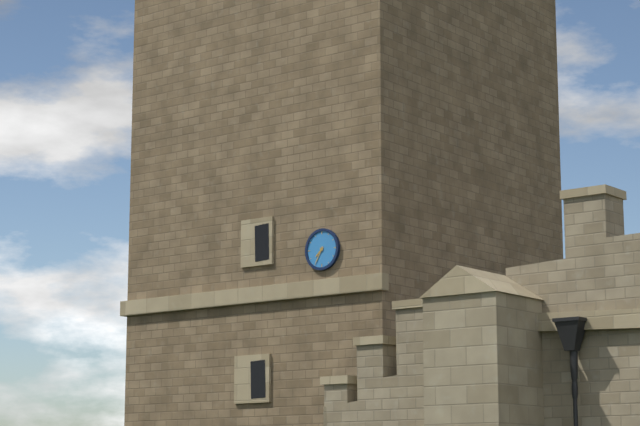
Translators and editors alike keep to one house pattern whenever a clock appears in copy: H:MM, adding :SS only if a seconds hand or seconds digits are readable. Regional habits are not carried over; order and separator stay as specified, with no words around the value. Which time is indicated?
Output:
7:35
